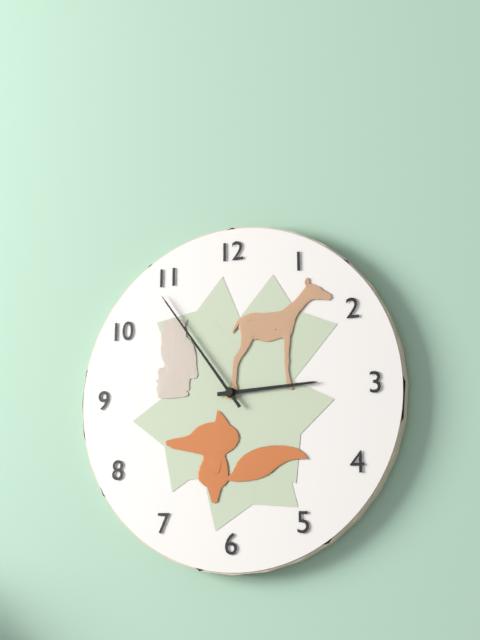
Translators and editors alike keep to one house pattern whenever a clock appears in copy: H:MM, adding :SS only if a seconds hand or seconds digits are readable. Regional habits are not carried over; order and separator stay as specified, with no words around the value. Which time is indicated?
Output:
2:54
